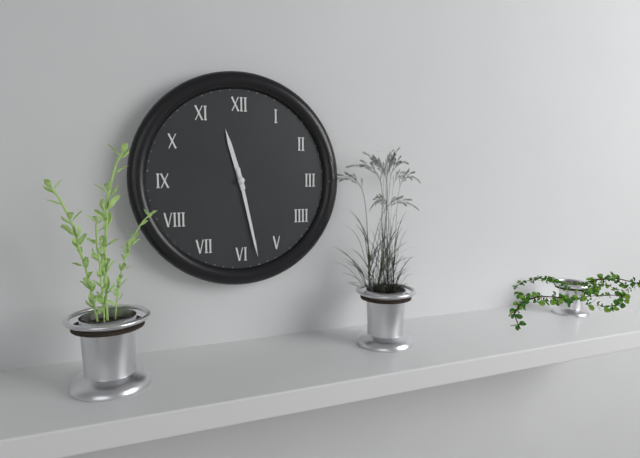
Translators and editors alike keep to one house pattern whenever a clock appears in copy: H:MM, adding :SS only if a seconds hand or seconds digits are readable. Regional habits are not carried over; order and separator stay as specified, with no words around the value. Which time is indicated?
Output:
11:28
